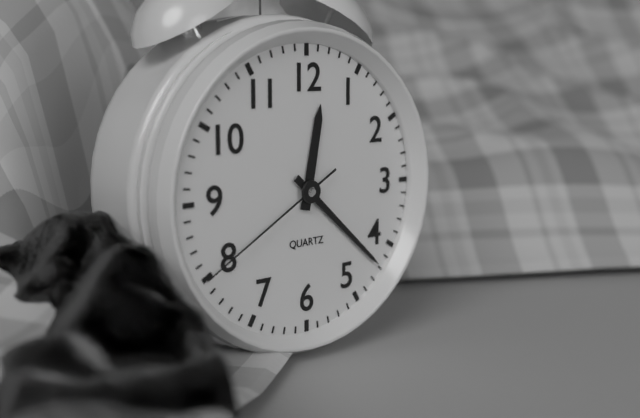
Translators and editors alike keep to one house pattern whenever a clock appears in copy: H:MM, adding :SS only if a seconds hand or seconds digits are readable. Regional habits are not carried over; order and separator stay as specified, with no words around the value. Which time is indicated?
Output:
12:22:40
